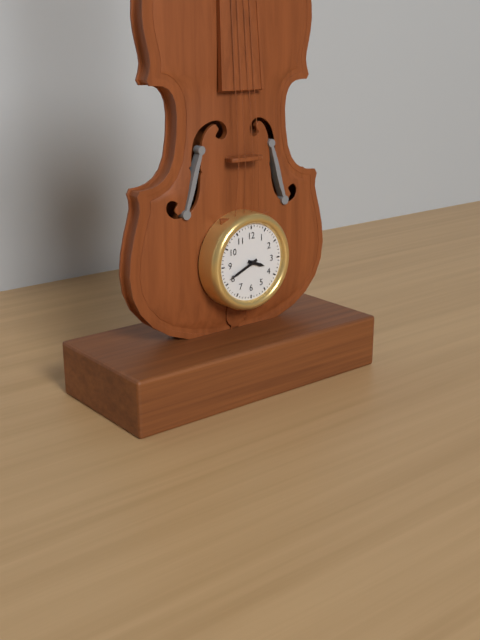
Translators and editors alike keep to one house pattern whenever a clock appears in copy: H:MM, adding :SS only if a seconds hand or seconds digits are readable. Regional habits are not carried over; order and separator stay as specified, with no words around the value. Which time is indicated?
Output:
3:41
